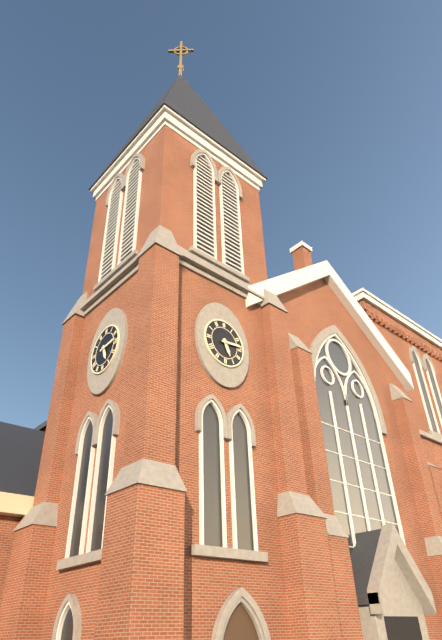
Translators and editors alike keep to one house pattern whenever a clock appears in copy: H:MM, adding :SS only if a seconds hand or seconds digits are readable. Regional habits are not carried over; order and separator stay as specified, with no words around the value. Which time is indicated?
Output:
5:14
